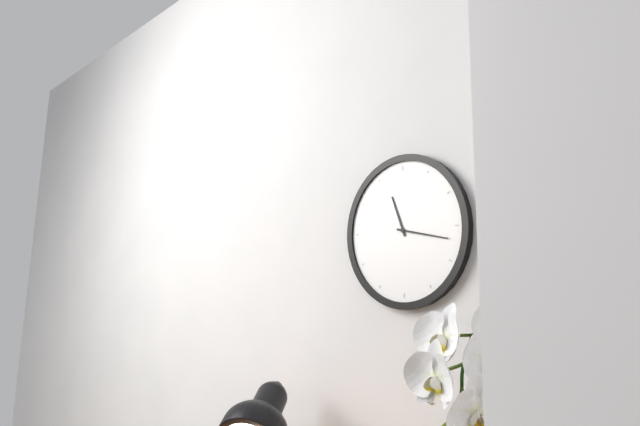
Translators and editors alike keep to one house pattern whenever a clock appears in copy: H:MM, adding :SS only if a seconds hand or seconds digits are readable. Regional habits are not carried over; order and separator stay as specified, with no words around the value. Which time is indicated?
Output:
11:17
